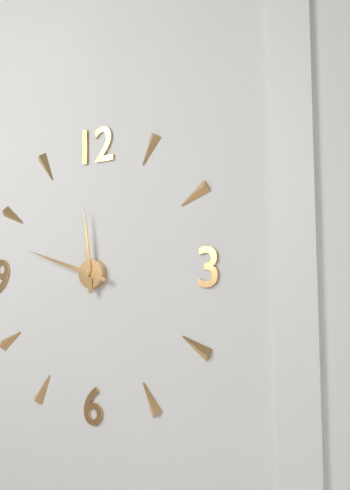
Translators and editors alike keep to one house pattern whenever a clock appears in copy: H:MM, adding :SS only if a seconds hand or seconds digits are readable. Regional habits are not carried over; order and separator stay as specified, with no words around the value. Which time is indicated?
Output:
11:48
